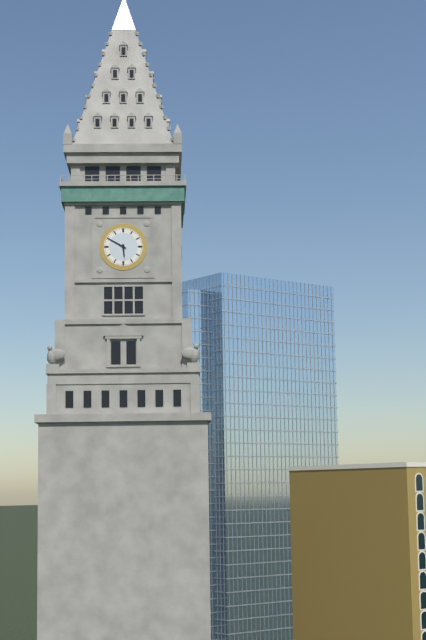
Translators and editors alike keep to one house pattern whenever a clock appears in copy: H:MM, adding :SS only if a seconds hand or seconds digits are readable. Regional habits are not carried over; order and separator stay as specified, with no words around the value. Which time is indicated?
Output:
5:50
